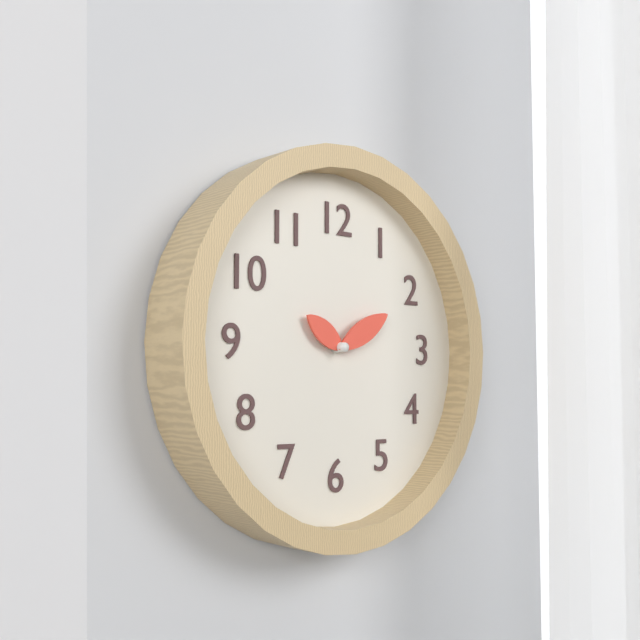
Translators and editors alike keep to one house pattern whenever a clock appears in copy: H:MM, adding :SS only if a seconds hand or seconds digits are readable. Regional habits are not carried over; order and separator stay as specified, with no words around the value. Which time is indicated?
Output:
10:10
